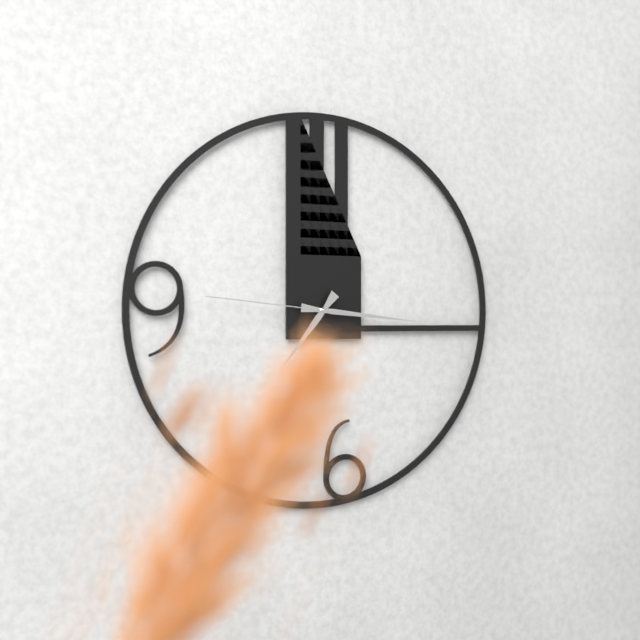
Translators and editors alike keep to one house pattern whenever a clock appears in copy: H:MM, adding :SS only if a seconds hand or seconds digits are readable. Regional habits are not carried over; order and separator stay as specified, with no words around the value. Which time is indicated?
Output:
7:16:46
